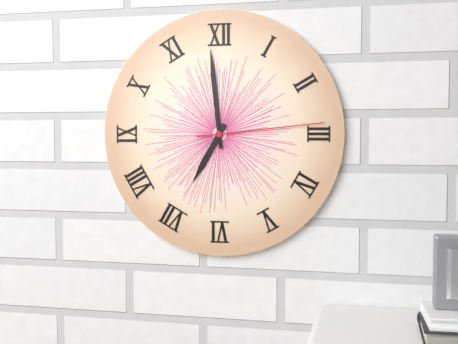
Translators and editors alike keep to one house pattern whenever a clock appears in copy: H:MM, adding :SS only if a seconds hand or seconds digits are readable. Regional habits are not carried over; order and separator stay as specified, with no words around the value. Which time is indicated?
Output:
6:59:14
